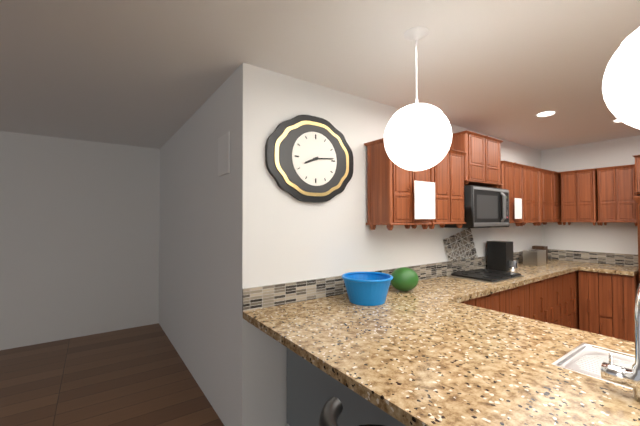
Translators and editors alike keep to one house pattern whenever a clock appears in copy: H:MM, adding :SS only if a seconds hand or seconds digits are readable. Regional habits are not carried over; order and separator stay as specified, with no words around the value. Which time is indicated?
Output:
8:14
